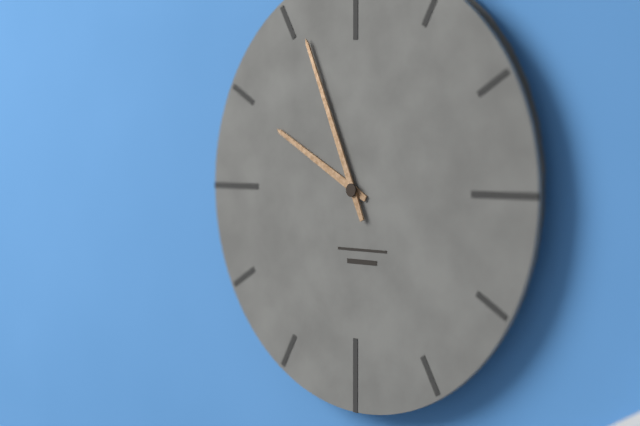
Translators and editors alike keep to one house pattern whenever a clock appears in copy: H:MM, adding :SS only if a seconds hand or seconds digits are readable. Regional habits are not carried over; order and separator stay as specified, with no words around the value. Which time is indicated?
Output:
9:56
